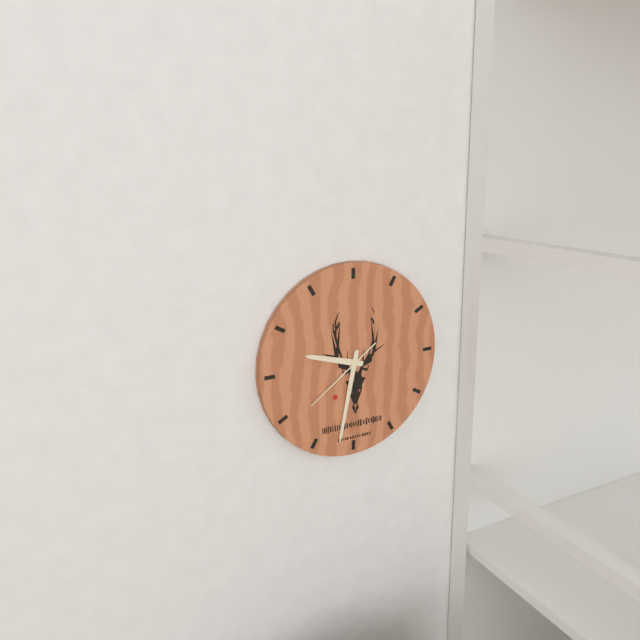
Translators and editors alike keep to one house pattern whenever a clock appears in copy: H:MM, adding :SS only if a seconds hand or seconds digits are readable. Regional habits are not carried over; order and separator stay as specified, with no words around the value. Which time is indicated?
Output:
9:32:39
